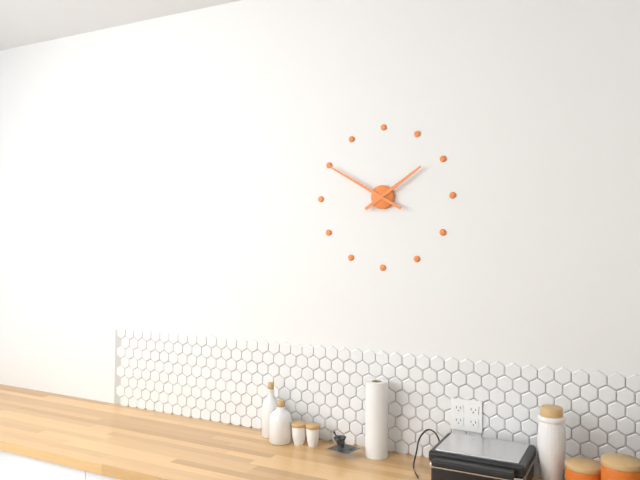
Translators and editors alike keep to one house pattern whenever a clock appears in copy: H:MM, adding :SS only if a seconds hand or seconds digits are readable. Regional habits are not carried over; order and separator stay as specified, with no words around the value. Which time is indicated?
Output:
1:50
